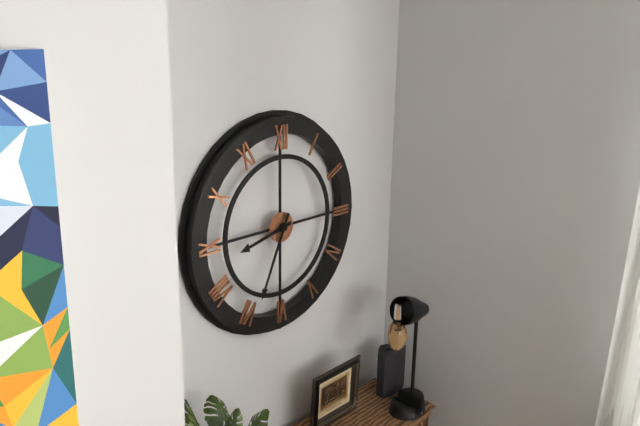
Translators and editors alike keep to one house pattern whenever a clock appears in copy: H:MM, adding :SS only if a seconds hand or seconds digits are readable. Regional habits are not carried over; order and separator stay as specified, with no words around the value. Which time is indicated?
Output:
8:34
